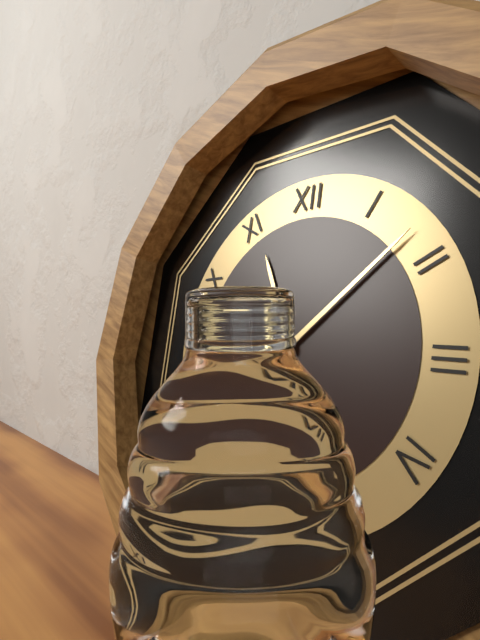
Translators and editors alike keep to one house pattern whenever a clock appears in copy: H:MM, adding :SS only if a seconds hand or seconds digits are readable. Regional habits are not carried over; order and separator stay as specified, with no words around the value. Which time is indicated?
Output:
11:08:25
